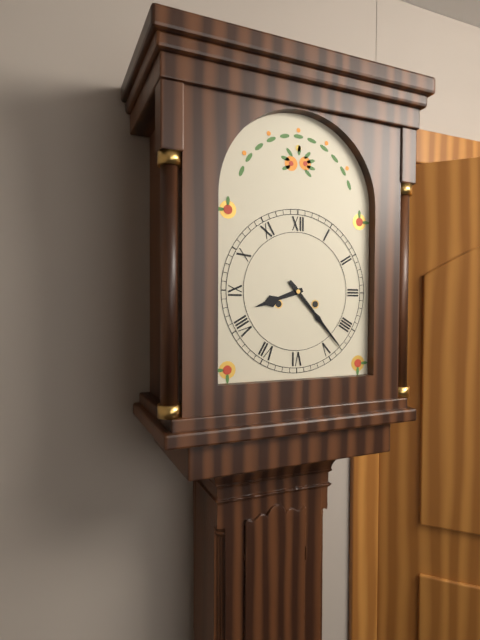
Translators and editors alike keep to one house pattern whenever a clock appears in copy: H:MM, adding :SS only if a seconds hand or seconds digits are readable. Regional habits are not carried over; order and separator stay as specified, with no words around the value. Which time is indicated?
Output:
8:23
